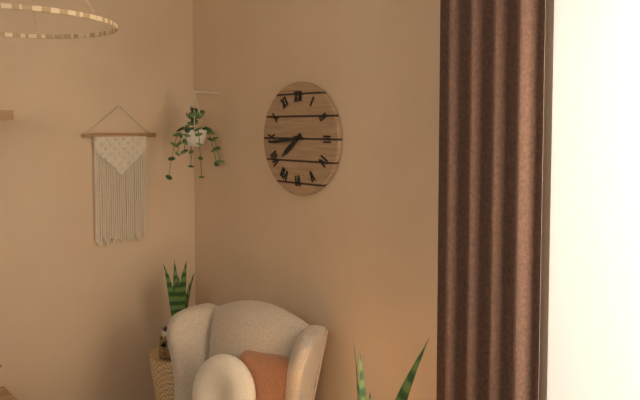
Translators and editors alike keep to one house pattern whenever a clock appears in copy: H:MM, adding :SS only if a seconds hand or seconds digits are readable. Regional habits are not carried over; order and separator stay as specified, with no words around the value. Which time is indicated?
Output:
7:44
